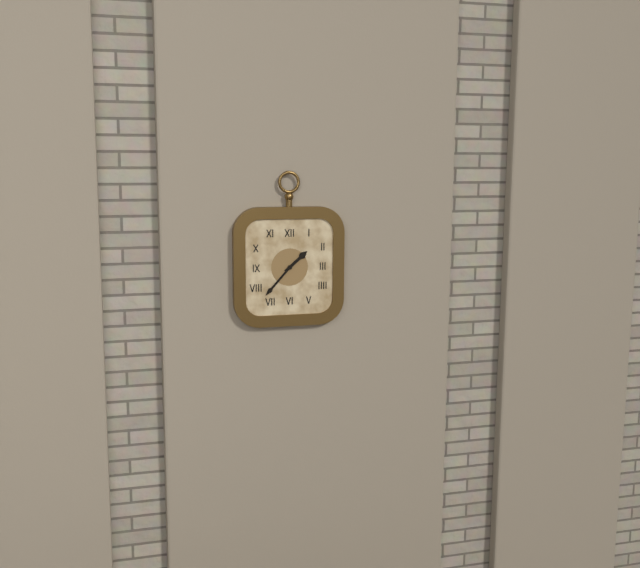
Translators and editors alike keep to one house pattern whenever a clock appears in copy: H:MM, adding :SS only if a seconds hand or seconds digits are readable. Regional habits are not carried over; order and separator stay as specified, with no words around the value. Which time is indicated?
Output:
1:37
